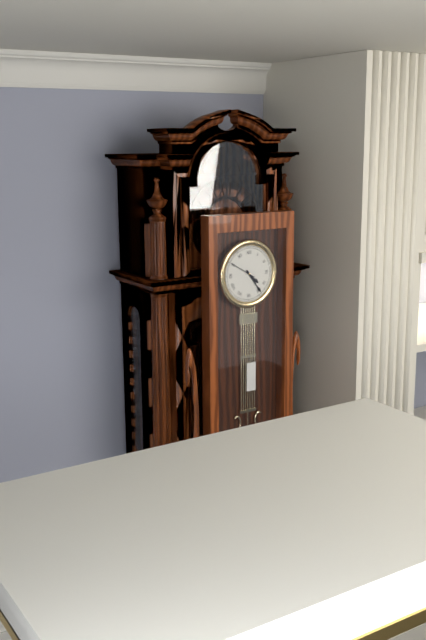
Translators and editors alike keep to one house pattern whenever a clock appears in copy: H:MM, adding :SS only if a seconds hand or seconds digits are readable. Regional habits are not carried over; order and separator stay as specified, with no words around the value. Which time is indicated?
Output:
4:24
